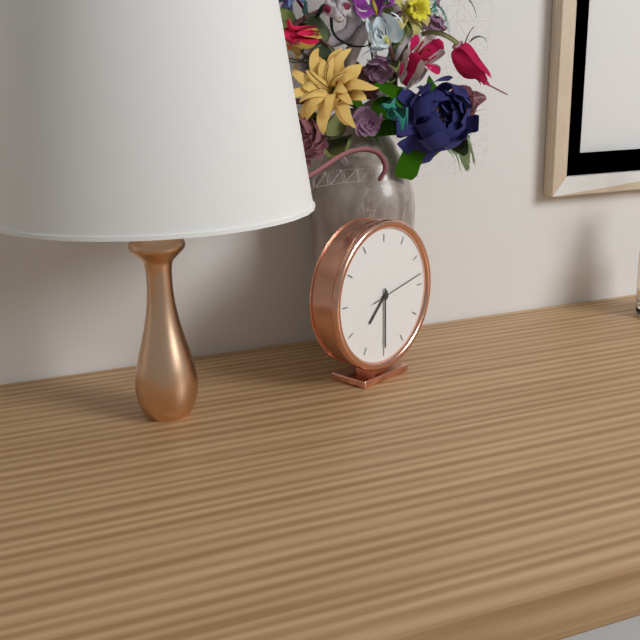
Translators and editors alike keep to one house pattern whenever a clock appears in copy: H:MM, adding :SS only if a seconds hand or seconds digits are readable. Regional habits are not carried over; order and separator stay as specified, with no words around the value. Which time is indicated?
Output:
7:30:13
